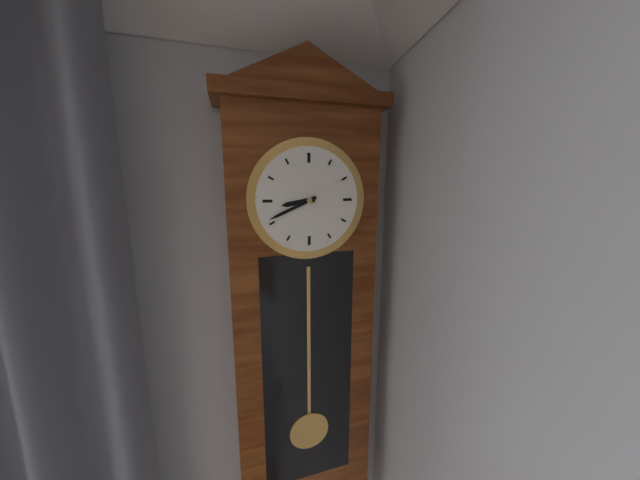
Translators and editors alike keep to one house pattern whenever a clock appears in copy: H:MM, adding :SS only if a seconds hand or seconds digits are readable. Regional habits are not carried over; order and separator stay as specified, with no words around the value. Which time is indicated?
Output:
8:41
